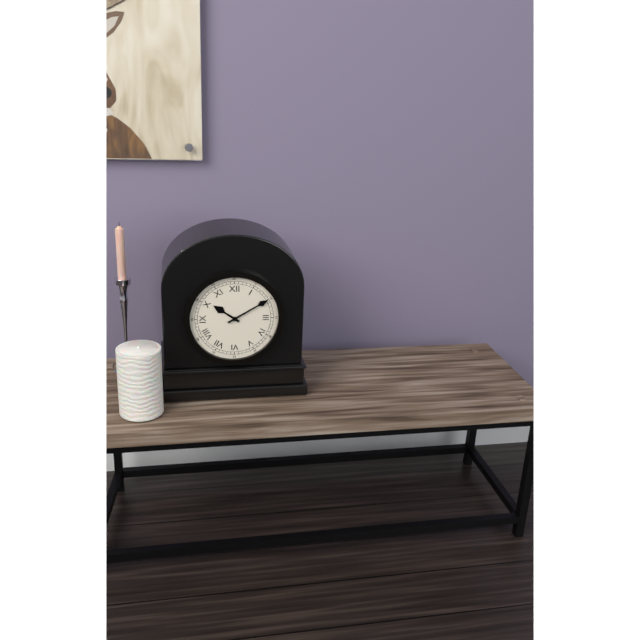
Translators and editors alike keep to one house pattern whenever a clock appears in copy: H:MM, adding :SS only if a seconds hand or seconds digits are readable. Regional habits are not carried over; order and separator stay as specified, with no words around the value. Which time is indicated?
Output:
10:10
